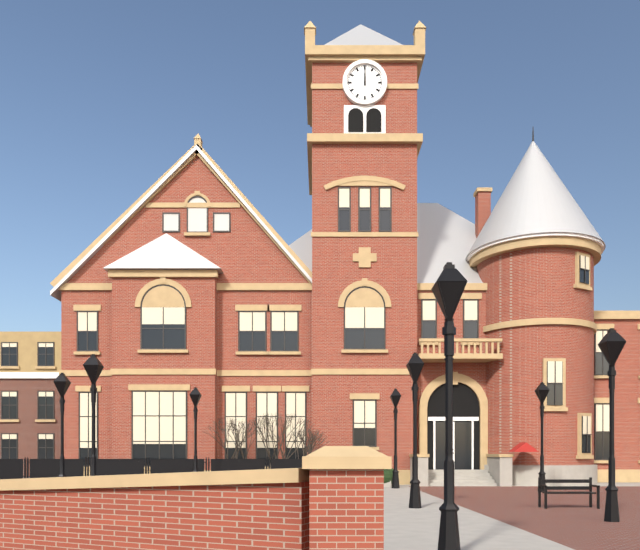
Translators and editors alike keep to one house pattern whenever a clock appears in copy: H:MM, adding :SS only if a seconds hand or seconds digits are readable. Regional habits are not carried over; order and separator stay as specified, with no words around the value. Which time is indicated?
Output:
12:00
